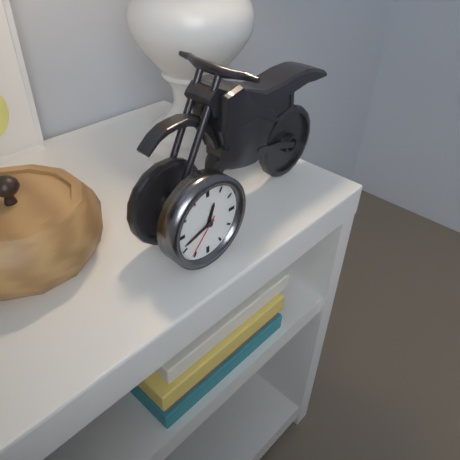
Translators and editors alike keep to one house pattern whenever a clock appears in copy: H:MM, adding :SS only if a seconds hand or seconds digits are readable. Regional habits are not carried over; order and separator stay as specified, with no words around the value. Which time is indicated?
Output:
12:42
